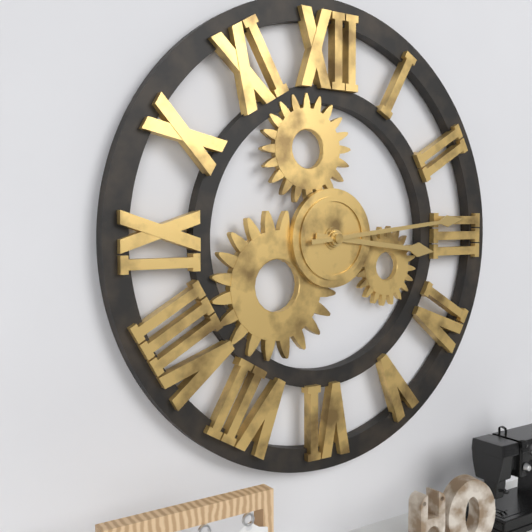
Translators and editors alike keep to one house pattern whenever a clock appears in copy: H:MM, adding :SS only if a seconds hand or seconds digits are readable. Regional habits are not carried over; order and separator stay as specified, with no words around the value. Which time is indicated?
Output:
3:14
